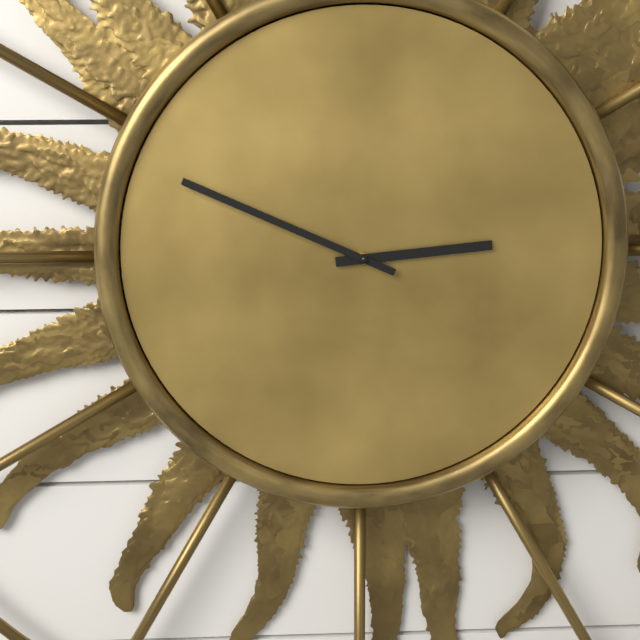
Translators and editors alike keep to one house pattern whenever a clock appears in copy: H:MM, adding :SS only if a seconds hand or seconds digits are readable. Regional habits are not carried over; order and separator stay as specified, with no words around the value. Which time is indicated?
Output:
2:49
